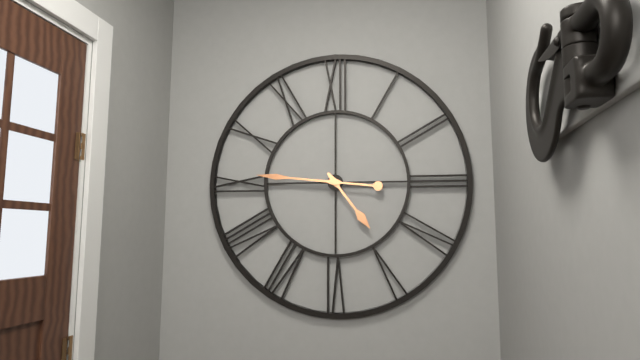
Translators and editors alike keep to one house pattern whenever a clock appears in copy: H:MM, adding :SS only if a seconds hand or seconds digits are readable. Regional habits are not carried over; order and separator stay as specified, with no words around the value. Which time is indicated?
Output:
4:46
